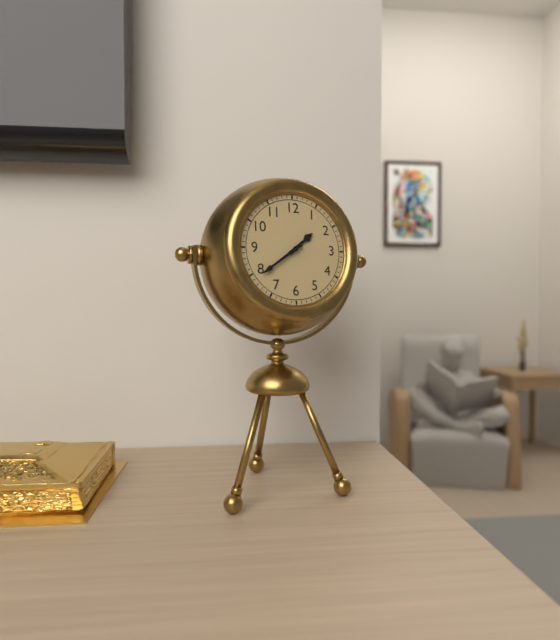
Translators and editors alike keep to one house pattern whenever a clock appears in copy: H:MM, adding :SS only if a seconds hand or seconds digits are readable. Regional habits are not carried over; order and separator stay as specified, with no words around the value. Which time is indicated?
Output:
1:39
